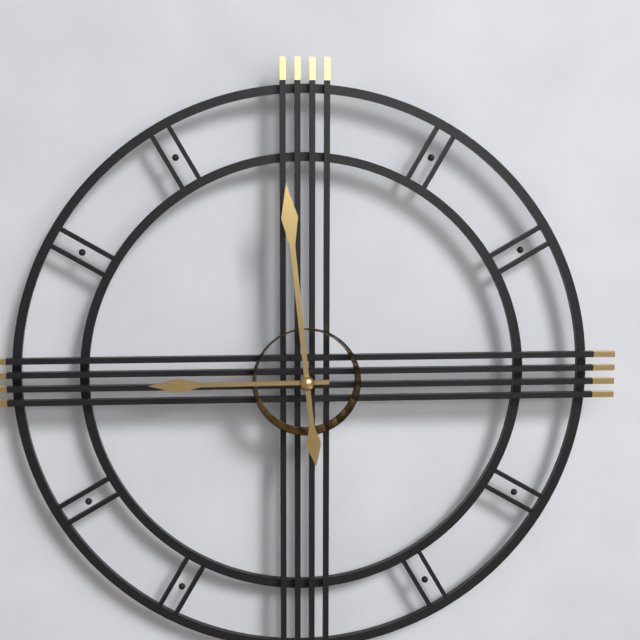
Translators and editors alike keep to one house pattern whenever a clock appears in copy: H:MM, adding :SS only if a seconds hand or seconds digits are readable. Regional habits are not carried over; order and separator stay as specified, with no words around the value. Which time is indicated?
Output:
8:59
